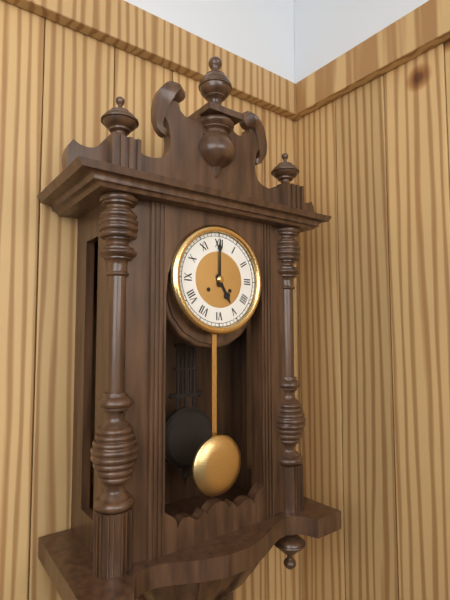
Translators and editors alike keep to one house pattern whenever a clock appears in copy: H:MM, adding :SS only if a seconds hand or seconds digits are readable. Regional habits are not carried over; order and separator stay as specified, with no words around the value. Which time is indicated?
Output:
5:00
